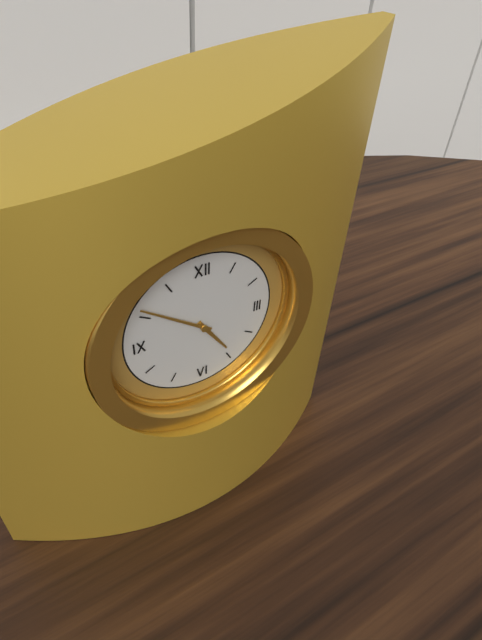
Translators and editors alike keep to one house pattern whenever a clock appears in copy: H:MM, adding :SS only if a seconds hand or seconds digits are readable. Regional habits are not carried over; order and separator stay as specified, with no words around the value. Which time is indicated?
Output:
4:51
